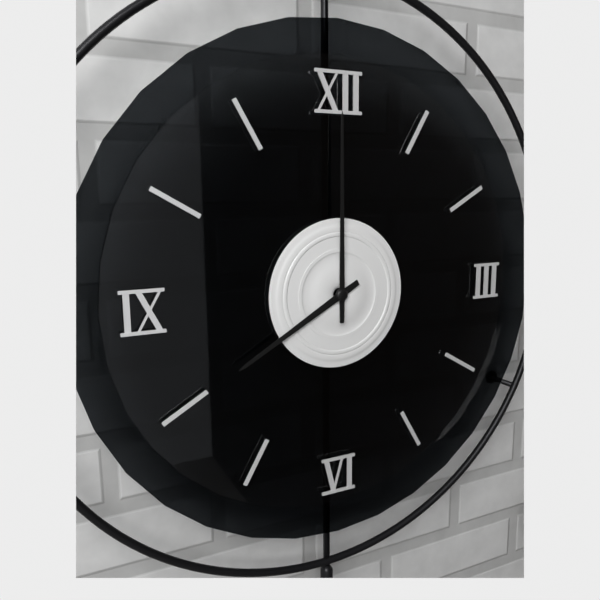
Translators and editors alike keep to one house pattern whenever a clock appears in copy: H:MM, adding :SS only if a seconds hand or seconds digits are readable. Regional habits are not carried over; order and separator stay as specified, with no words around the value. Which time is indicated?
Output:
8:00
